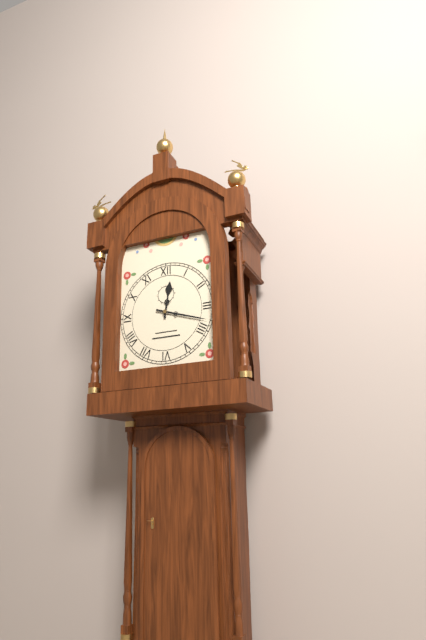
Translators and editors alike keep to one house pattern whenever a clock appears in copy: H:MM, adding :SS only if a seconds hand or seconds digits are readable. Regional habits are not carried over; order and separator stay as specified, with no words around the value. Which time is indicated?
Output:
12:18
